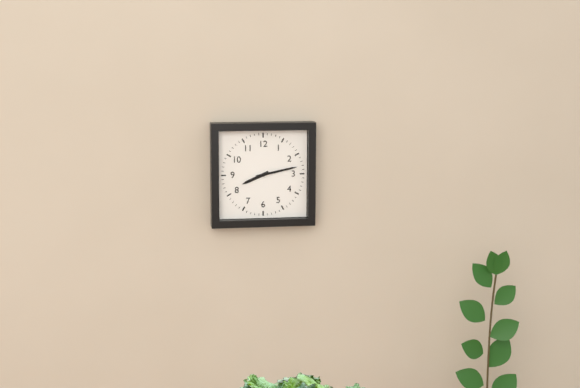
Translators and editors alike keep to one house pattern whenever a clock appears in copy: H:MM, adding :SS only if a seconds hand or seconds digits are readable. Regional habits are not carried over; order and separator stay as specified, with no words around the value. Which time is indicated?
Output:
8:13
